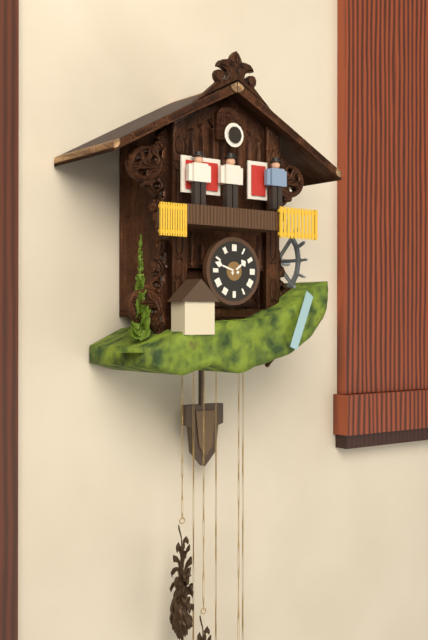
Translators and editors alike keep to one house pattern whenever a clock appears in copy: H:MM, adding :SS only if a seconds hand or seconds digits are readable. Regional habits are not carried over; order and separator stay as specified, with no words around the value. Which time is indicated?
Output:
1:48
